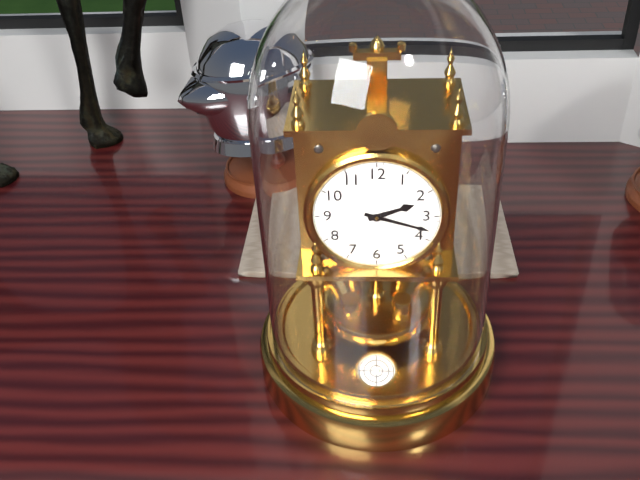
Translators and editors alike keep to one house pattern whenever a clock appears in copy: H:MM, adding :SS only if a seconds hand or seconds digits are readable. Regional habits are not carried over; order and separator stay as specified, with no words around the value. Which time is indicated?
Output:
2:18
